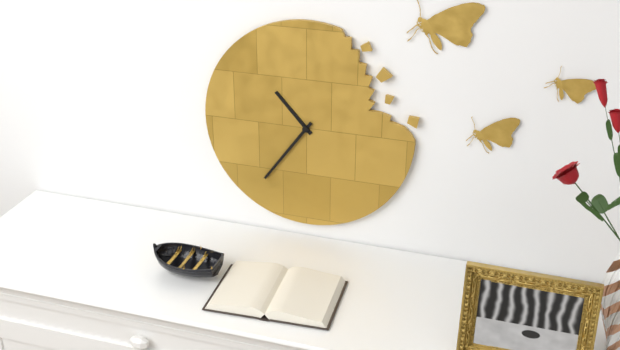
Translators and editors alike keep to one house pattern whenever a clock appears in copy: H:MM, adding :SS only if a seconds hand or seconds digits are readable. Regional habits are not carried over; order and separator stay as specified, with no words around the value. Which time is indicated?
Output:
10:36
